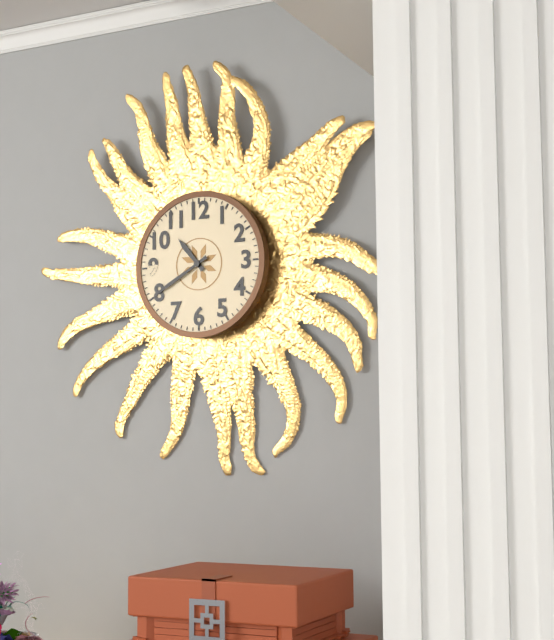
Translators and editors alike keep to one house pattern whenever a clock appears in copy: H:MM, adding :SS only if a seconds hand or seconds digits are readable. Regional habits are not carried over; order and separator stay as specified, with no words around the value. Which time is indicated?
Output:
10:40
